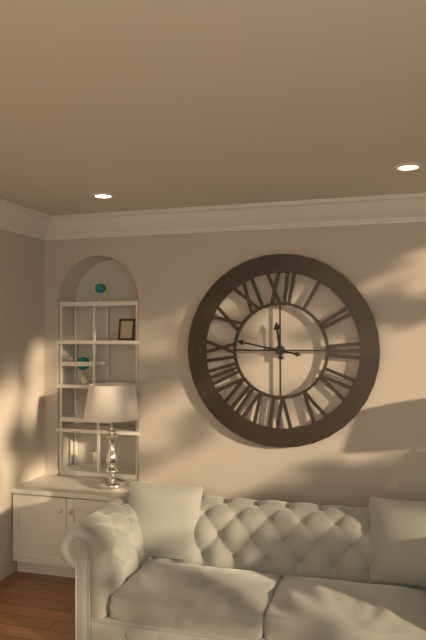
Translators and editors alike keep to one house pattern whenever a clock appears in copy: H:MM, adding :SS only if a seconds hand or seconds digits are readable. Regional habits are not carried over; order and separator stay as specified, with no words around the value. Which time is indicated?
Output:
11:47
